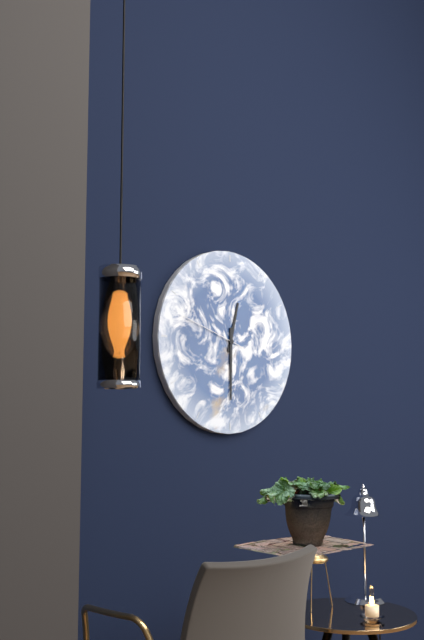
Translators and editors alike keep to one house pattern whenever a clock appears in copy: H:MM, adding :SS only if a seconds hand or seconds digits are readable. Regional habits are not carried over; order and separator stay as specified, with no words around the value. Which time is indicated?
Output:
12:30:48
